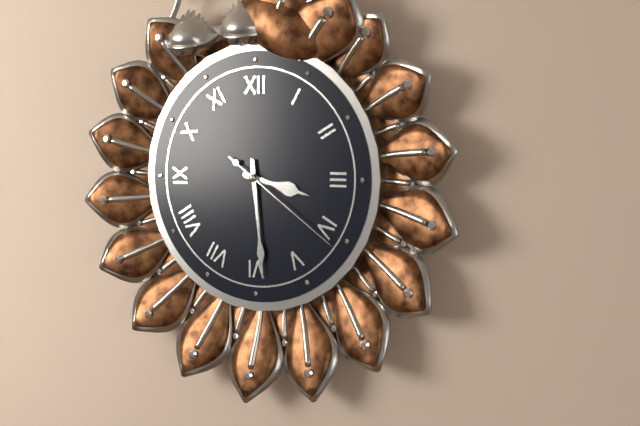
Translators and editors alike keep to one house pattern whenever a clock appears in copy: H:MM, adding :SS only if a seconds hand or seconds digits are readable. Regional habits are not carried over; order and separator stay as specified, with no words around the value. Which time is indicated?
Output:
3:29:21
